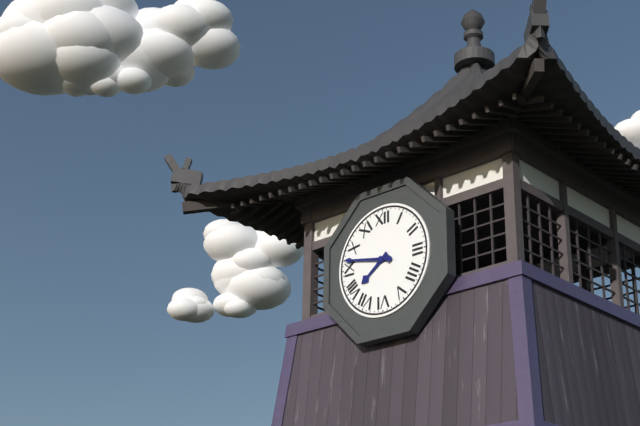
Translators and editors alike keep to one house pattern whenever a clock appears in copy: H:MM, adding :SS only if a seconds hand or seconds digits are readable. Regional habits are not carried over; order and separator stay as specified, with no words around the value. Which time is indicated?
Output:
7:47
